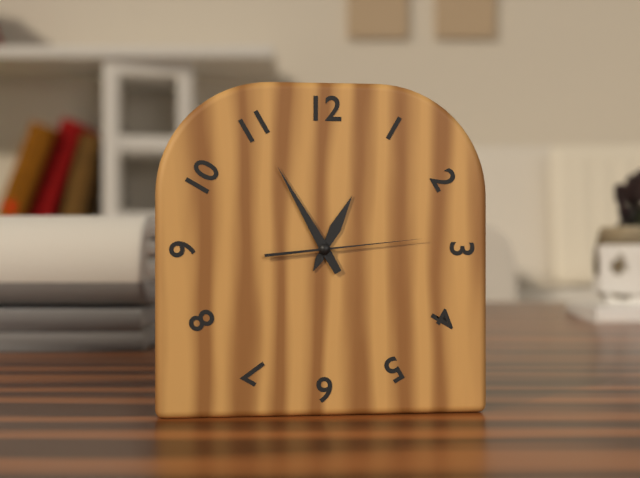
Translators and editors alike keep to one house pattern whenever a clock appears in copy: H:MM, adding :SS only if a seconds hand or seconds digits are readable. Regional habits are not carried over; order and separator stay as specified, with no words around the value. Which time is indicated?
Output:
12:55:14
